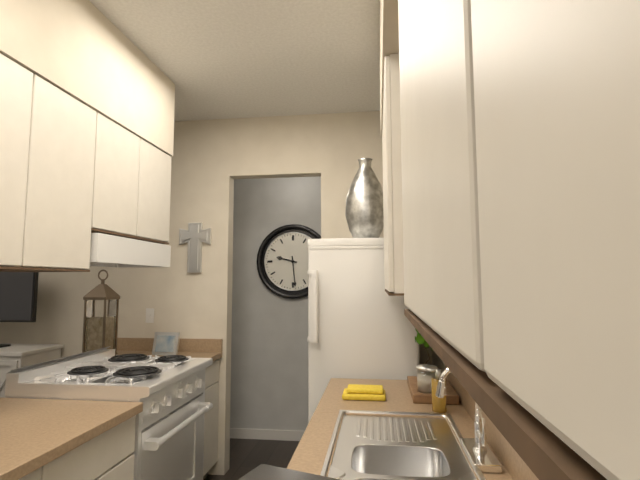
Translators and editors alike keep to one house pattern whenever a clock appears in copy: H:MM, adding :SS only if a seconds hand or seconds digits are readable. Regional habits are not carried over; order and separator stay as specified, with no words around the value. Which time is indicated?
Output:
9:29
